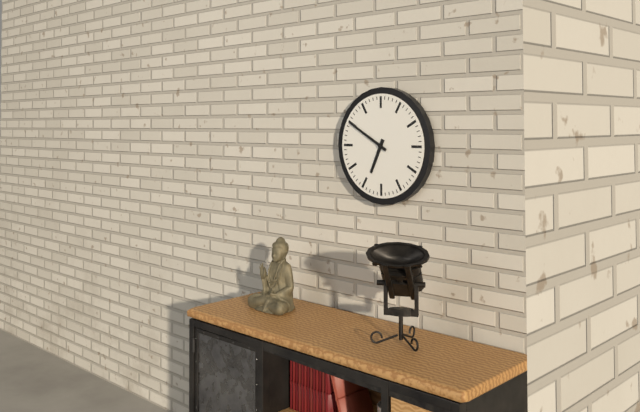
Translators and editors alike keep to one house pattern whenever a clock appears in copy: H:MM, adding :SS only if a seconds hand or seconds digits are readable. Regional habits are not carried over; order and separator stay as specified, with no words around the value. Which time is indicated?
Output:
6:50
